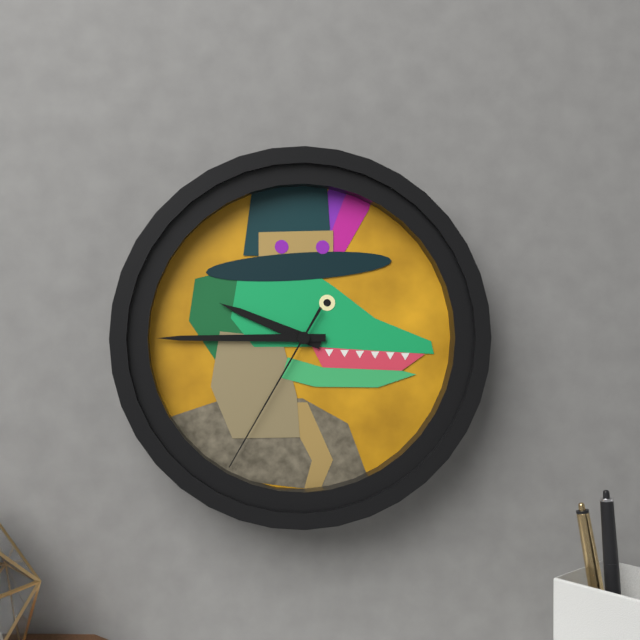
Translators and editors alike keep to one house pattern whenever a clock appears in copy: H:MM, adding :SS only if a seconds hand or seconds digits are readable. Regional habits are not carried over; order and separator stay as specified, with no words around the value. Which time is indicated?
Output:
9:45:35
